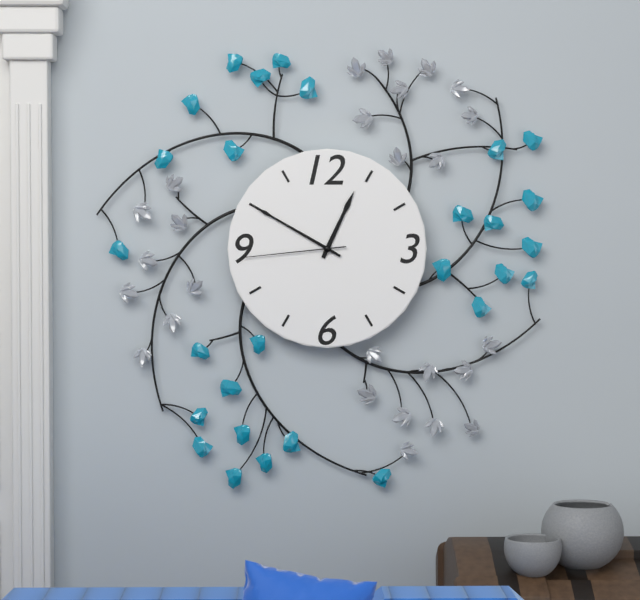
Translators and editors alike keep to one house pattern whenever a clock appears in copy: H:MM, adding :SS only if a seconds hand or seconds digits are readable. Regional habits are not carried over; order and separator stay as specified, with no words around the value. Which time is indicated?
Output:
12:50:44
